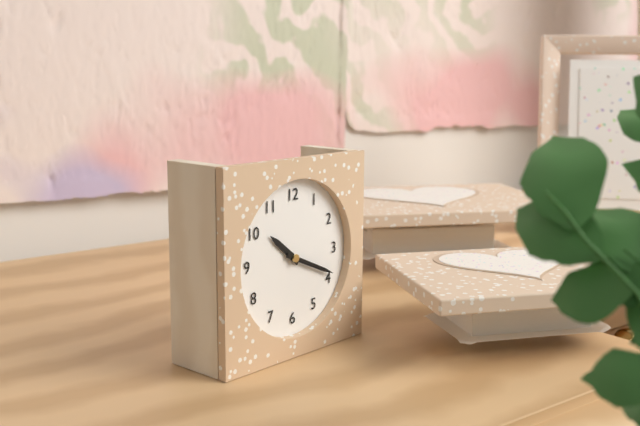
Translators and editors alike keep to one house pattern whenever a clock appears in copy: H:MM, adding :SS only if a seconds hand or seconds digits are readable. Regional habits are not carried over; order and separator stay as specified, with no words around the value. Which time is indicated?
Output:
10:19
